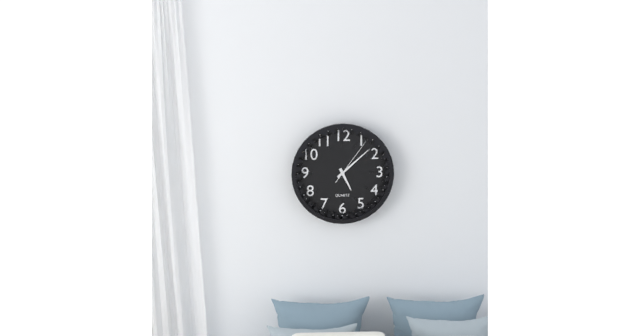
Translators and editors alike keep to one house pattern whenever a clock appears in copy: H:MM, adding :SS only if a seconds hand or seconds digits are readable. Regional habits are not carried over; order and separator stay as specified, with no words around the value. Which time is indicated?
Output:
5:08:06
